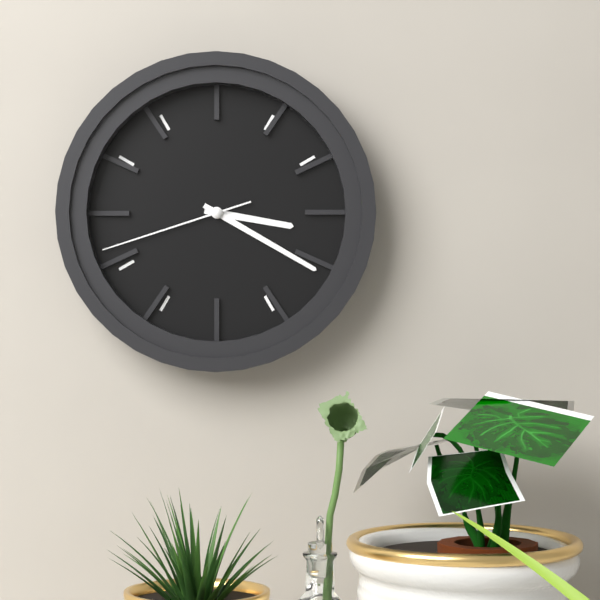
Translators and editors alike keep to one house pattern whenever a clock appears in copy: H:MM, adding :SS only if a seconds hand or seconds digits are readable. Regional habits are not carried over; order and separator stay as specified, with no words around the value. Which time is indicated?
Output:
3:20:42
